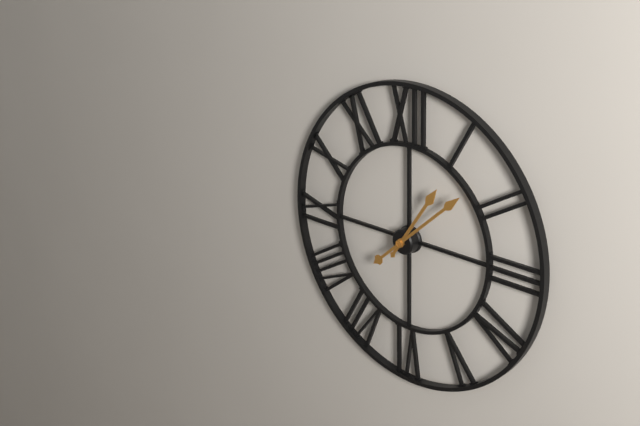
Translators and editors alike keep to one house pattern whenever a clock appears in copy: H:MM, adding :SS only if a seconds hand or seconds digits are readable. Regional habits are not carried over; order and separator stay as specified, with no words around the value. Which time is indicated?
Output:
1:08
